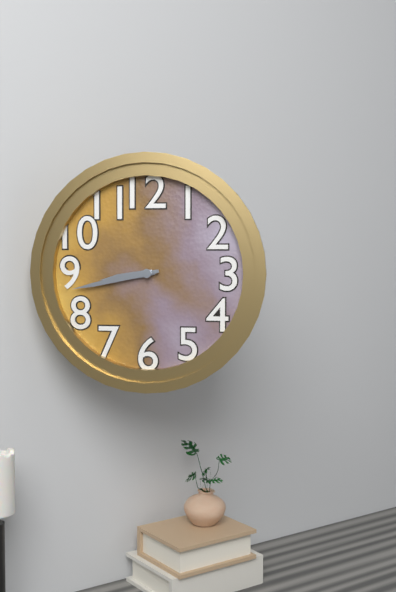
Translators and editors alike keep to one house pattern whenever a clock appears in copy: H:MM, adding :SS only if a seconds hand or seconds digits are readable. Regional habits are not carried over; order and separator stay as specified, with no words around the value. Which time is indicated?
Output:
8:43
